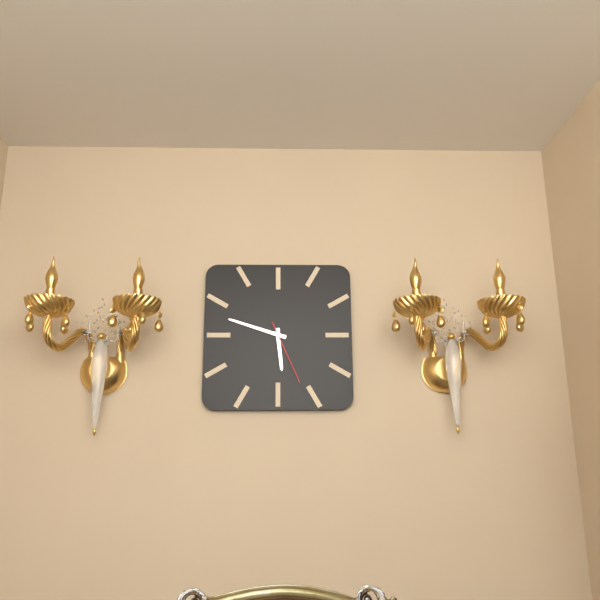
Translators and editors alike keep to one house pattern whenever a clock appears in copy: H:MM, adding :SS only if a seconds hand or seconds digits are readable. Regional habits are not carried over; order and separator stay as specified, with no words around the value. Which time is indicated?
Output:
5:48:26
